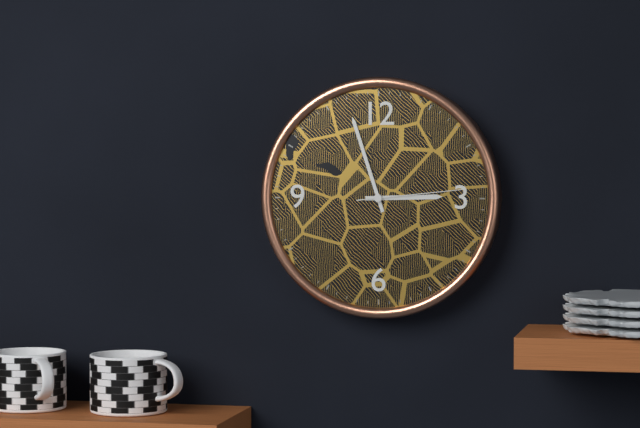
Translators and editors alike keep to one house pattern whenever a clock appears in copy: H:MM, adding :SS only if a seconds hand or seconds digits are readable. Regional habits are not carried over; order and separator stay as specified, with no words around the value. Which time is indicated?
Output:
2:57:14
